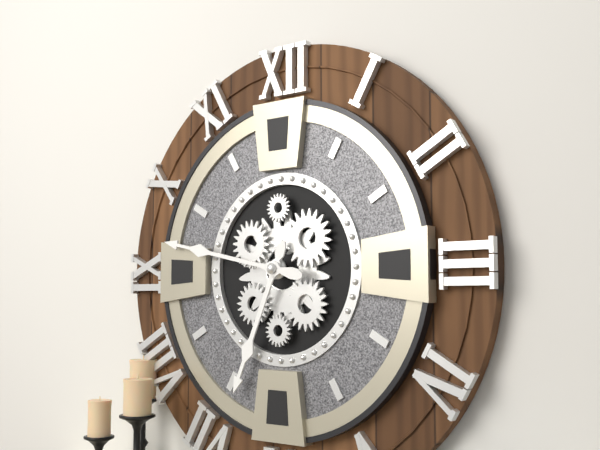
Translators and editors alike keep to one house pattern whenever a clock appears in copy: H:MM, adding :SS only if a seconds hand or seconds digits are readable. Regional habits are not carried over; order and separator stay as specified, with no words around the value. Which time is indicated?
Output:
6:47
